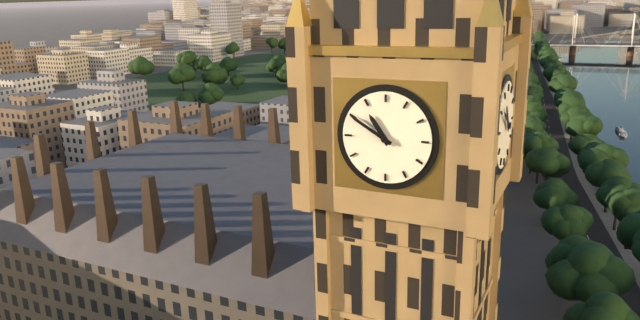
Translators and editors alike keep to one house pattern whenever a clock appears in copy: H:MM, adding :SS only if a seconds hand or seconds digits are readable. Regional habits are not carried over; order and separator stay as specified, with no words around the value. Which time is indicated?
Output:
10:50
